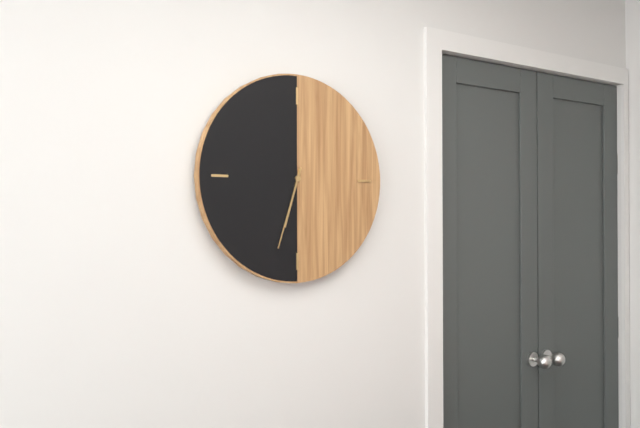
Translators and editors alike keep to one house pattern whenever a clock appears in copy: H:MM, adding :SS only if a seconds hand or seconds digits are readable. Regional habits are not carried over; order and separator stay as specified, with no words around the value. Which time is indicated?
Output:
6:33
